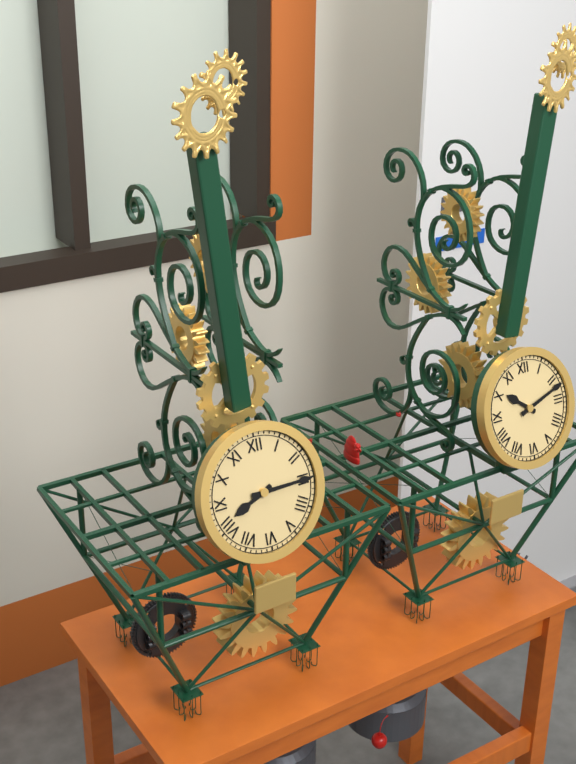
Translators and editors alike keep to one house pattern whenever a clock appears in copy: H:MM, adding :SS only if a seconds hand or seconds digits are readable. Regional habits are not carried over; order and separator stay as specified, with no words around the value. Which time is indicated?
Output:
8:15
